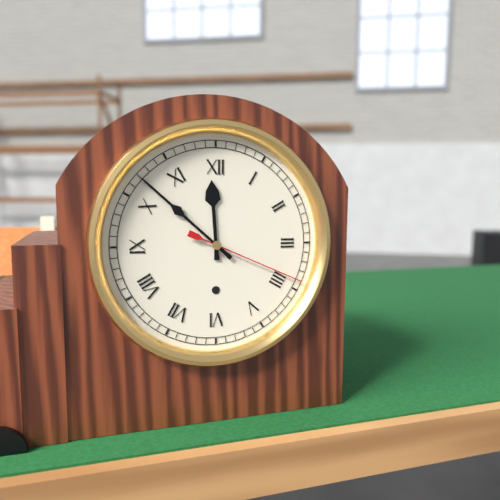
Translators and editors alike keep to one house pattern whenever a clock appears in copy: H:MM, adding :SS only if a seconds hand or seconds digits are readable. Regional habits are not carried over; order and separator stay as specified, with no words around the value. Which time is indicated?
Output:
11:52:19
